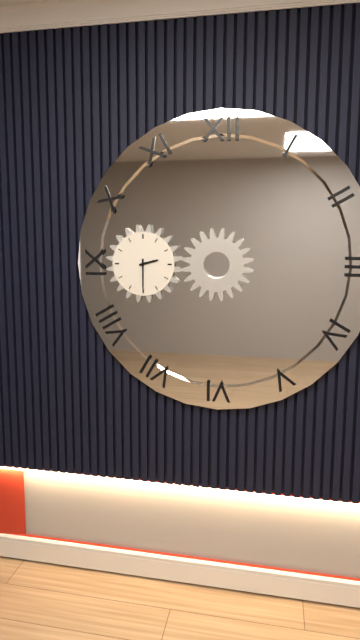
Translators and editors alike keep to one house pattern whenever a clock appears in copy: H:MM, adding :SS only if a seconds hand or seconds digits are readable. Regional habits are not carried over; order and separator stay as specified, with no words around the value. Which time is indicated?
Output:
2:30
